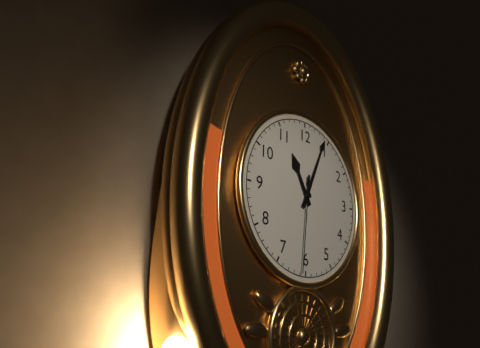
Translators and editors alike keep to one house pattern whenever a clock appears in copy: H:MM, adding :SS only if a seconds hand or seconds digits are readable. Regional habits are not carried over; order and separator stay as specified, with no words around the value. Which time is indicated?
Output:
11:04:31
